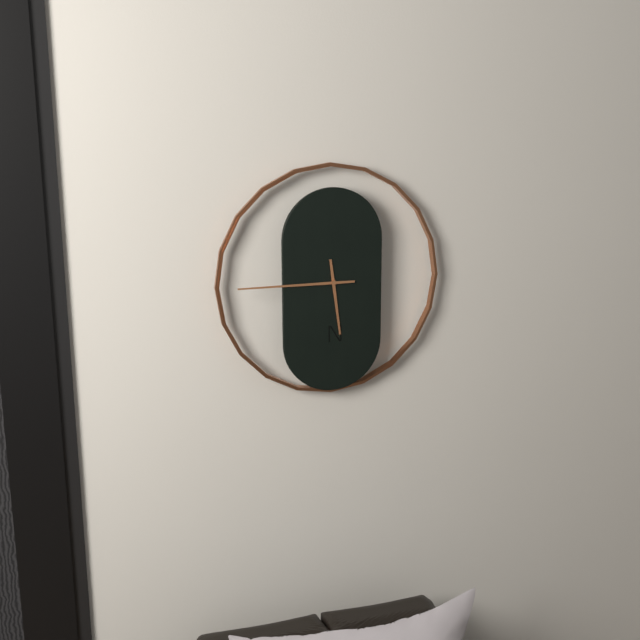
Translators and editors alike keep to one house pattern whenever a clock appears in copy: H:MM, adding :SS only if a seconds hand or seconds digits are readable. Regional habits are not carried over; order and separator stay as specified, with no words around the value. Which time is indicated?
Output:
5:45
